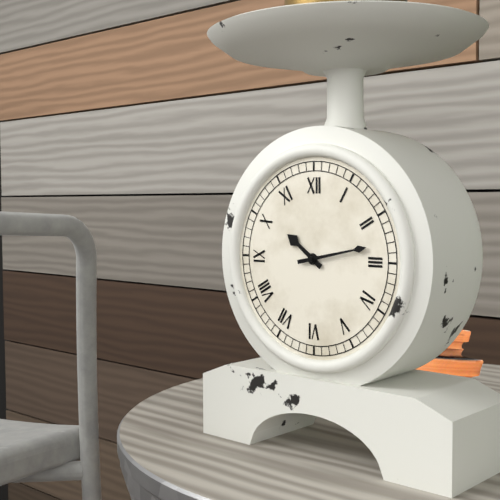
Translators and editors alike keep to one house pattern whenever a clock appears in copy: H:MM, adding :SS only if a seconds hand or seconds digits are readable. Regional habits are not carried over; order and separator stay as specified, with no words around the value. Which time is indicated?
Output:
10:13
